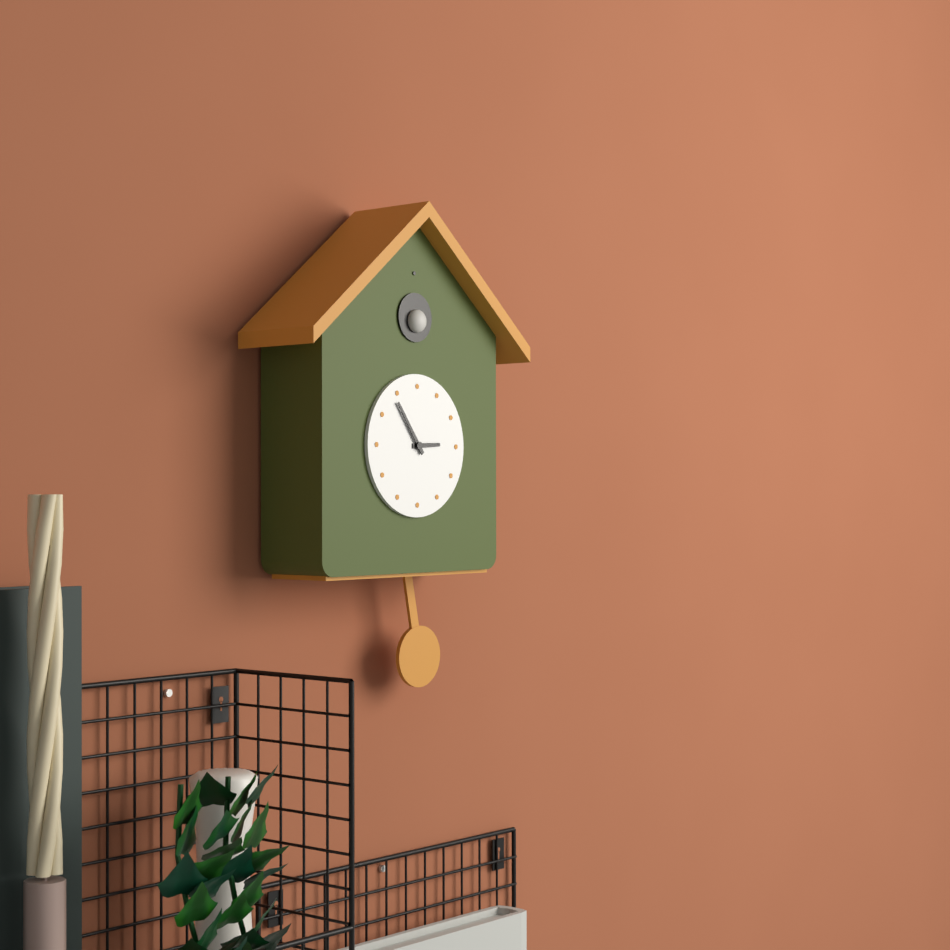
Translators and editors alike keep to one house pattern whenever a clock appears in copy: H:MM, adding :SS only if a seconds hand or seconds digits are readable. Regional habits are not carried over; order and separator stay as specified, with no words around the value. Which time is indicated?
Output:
2:54
